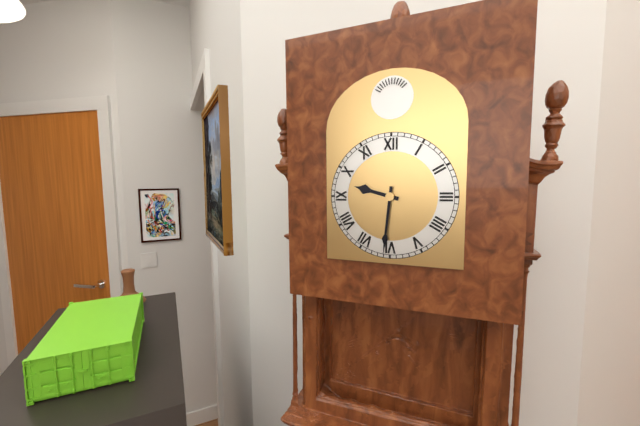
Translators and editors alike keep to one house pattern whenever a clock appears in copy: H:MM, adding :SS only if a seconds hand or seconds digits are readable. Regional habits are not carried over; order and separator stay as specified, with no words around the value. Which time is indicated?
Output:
9:31
